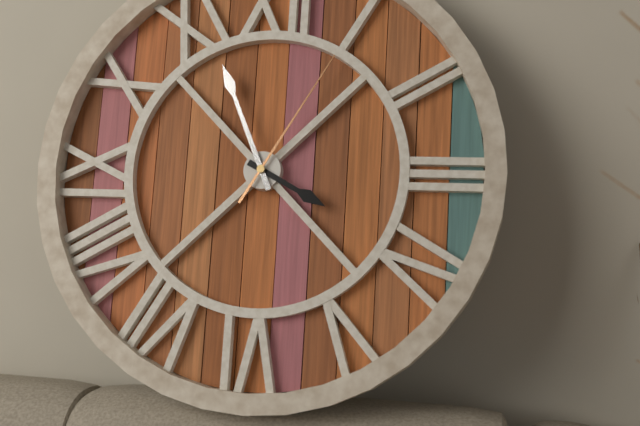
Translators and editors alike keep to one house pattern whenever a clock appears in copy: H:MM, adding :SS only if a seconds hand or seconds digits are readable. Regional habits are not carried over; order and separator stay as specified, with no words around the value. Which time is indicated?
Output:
3:56:05
